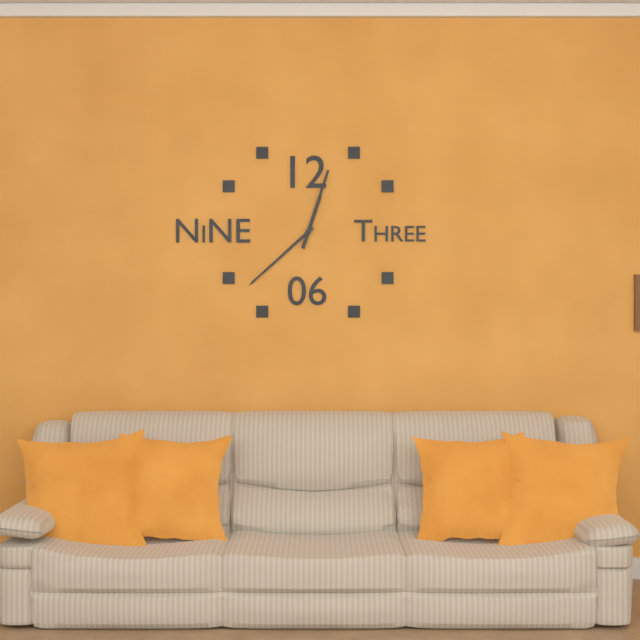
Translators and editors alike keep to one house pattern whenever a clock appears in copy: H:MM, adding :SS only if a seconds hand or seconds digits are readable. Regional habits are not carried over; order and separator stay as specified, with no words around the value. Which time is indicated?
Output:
12:38:03
